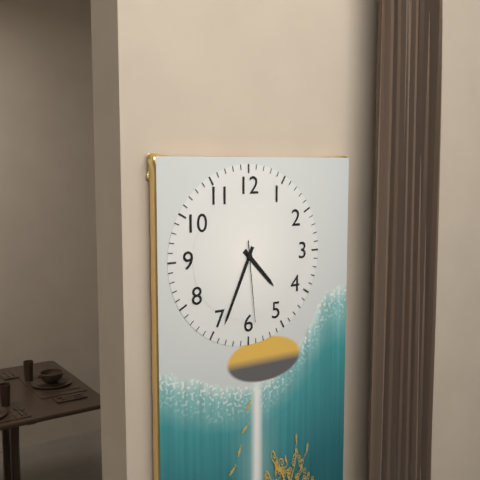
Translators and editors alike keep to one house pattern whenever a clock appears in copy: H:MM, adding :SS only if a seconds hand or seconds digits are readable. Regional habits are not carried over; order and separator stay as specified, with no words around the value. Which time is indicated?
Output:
4:34:29
